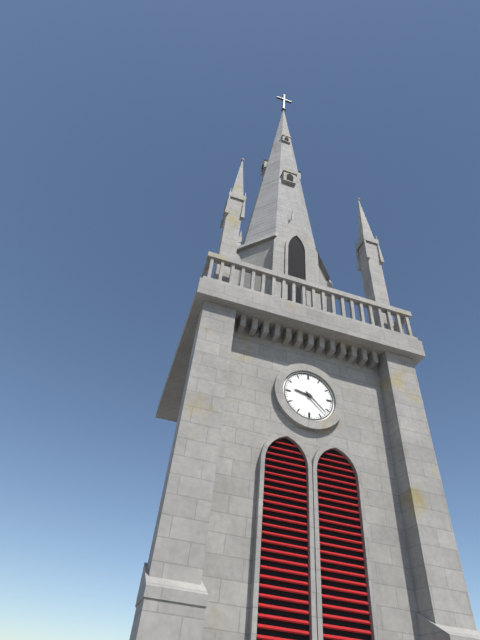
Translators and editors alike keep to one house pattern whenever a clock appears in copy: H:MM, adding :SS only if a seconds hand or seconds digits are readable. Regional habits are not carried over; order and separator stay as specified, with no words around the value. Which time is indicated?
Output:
9:22
